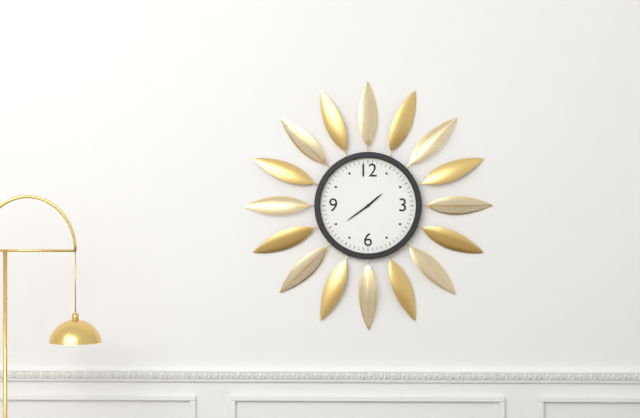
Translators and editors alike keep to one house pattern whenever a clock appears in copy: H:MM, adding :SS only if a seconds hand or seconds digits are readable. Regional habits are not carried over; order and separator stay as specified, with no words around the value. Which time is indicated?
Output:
1:39
